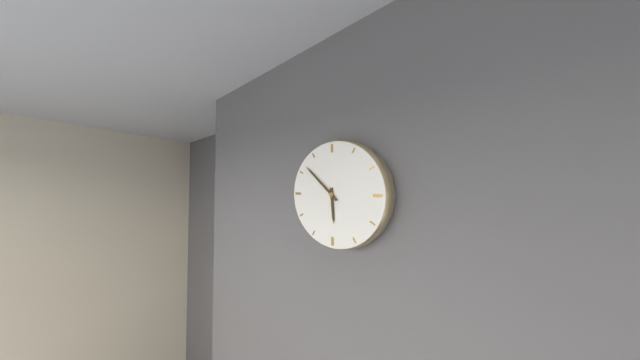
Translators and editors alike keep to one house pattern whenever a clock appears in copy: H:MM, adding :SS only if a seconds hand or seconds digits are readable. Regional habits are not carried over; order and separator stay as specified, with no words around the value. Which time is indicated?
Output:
5:52
